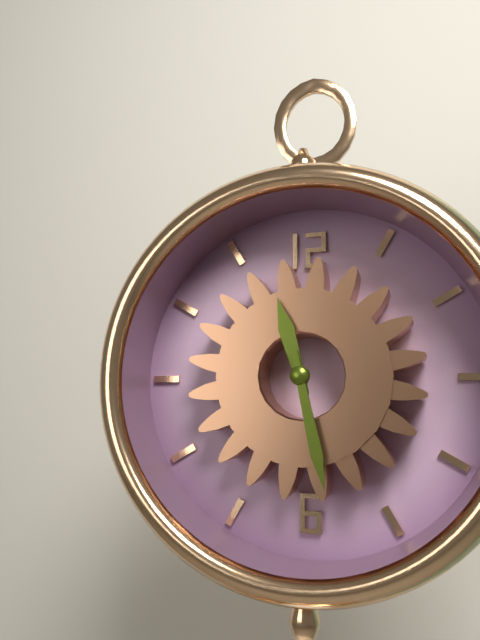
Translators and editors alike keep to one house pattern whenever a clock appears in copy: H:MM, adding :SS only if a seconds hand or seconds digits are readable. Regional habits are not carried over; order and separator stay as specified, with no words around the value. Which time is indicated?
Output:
11:28
